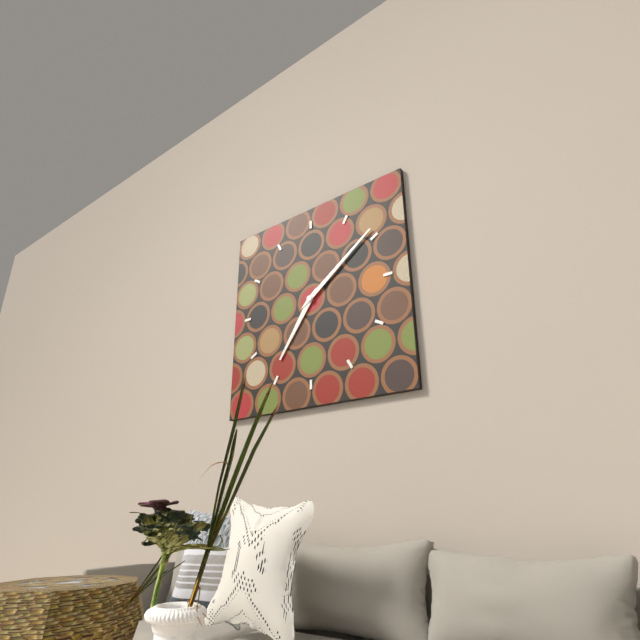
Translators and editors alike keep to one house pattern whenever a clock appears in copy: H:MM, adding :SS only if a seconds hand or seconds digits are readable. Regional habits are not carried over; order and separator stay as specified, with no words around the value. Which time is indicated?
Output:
7:09
